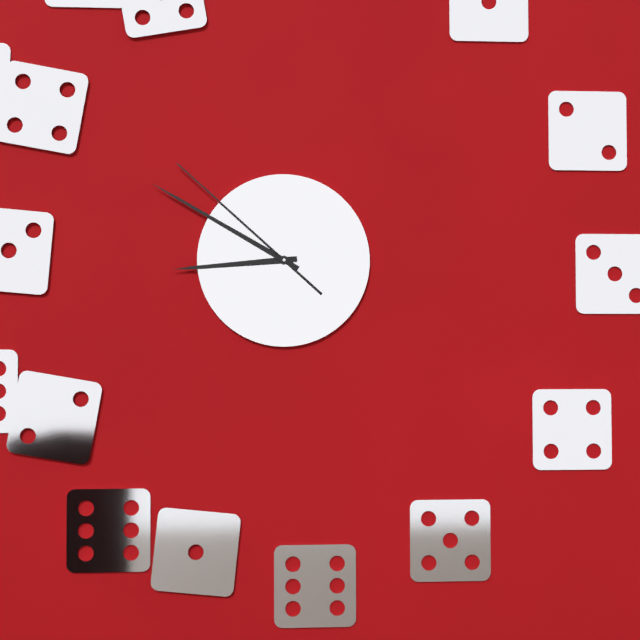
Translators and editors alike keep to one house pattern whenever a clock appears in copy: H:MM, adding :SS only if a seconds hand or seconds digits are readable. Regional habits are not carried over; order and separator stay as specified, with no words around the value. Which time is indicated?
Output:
8:50:52
